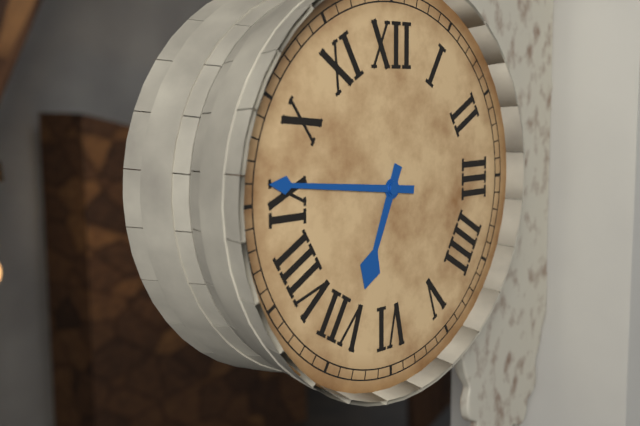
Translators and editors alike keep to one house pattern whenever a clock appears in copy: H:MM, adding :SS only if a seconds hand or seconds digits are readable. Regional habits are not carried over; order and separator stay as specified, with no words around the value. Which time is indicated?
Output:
6:46
